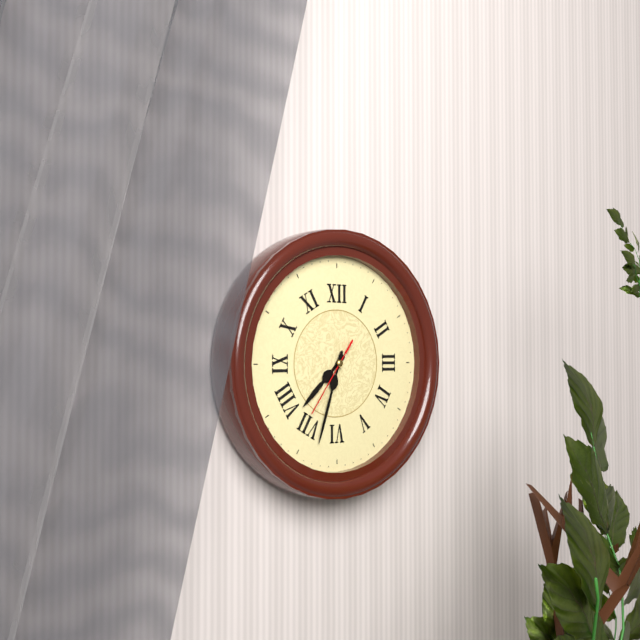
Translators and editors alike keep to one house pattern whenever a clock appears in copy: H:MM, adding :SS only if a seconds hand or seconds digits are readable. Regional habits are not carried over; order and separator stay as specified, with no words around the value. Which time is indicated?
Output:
7:33:36
